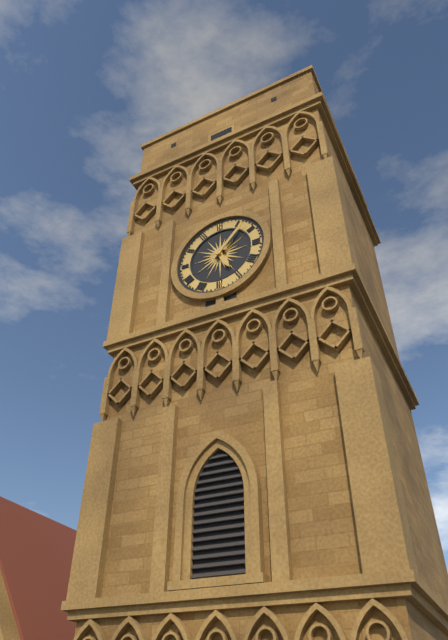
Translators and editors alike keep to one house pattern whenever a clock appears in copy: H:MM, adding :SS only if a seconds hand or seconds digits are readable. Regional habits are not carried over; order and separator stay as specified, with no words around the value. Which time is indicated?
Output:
5:07
